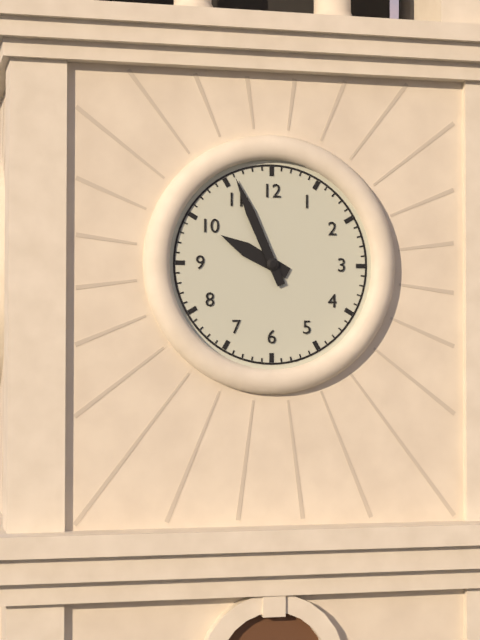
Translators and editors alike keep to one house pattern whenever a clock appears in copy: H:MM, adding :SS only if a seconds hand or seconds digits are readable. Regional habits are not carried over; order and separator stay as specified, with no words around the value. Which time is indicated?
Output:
9:56
